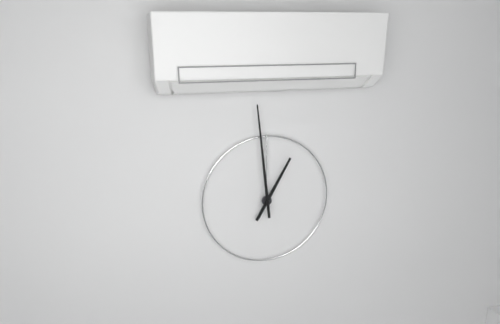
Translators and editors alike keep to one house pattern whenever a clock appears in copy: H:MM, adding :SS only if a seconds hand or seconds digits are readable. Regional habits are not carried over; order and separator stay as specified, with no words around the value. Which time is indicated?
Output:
12:59
